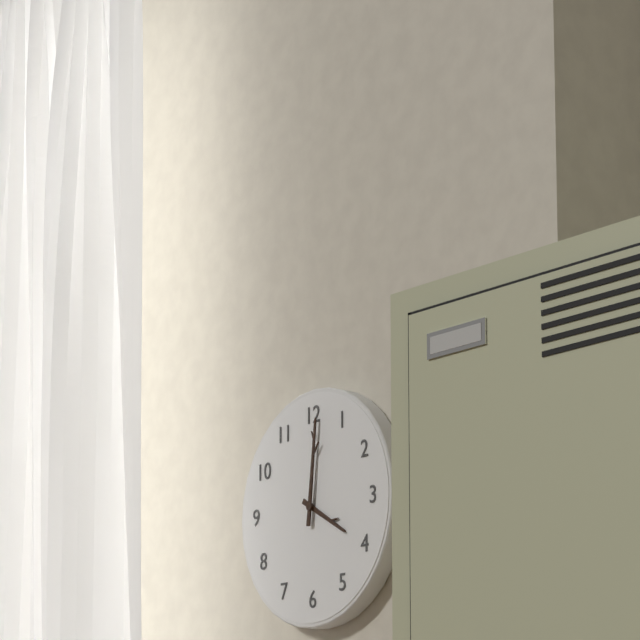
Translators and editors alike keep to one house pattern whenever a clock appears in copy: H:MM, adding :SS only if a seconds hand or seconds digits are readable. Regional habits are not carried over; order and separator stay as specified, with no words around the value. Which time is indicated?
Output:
4:01
